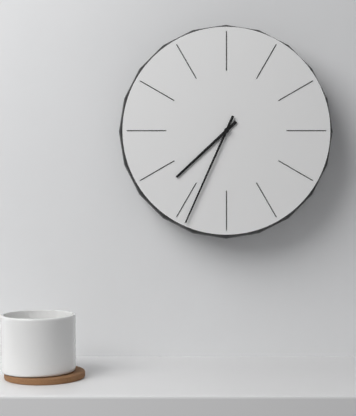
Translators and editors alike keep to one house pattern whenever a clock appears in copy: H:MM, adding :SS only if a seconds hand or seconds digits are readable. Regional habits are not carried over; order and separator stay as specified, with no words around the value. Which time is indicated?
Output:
7:34
